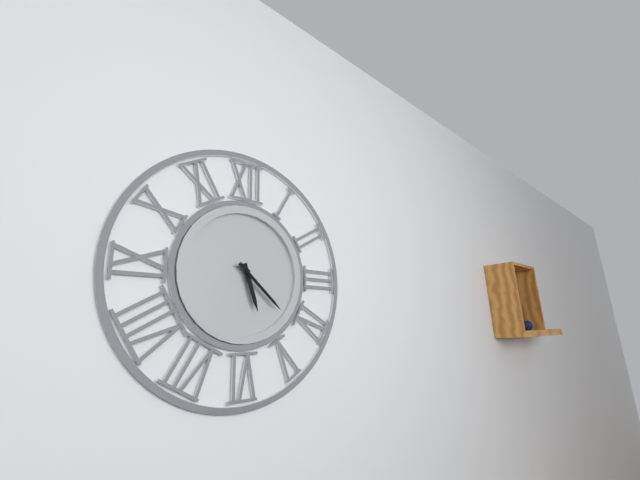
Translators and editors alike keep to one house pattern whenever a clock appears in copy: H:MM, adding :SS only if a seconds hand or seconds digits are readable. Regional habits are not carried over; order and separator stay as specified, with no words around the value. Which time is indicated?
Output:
5:22
